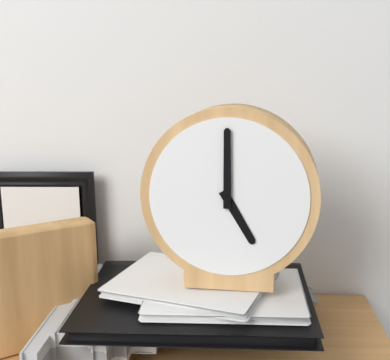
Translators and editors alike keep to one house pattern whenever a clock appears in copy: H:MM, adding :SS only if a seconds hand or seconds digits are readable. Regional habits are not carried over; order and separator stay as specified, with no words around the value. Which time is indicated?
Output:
5:00
